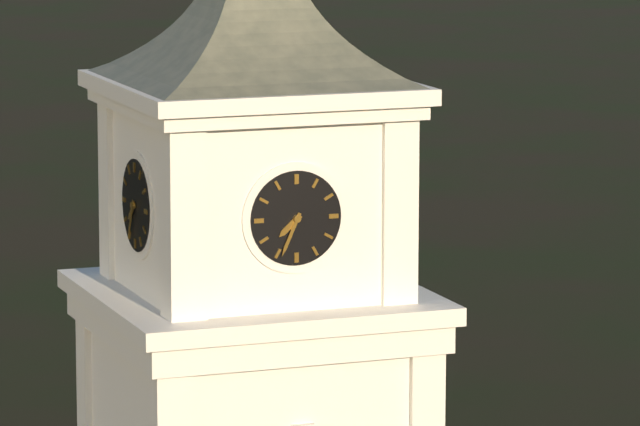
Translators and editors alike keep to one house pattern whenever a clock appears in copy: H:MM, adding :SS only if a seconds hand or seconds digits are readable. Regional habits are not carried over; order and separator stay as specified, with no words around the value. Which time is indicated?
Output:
7:34
